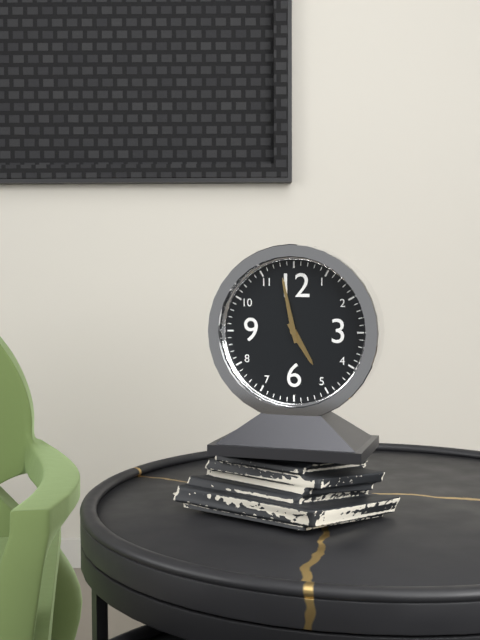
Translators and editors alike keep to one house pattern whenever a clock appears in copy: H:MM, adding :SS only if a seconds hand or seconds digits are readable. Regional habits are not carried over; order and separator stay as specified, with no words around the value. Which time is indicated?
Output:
4:58
